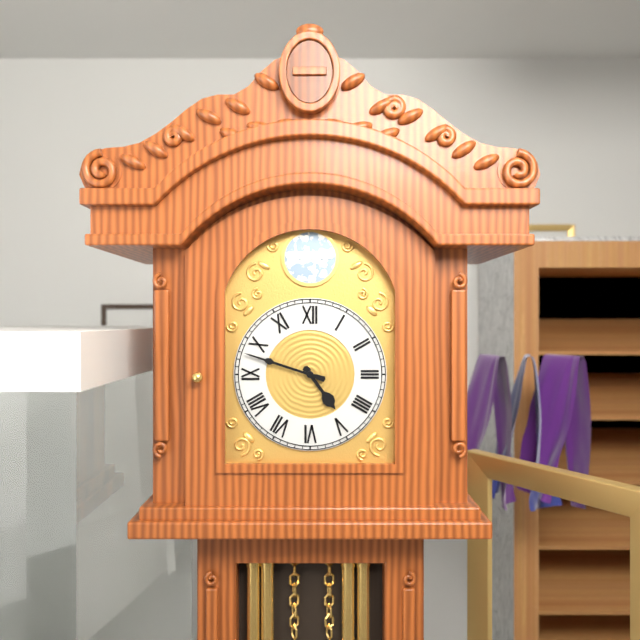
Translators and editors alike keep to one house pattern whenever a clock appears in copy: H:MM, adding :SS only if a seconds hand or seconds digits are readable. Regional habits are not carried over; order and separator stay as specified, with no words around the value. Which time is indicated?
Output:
4:48
